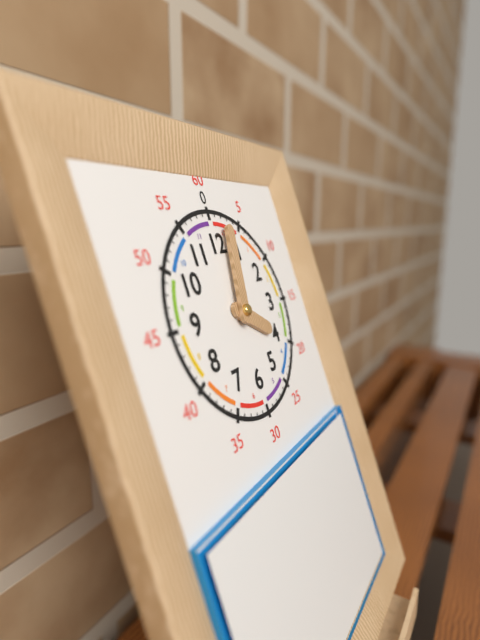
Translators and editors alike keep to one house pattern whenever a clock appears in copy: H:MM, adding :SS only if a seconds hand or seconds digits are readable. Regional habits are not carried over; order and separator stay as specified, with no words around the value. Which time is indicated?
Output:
4:02
